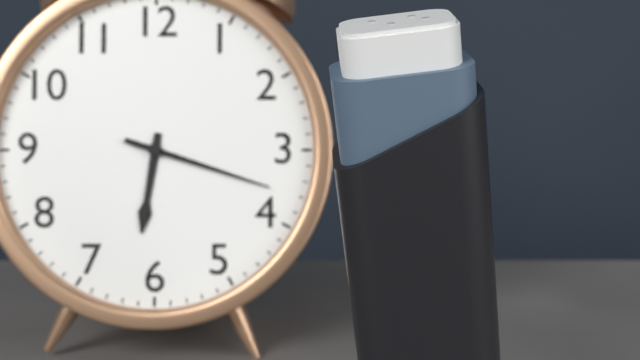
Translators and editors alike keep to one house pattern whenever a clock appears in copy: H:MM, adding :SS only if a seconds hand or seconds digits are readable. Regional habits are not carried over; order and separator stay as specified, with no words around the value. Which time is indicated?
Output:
6:18
